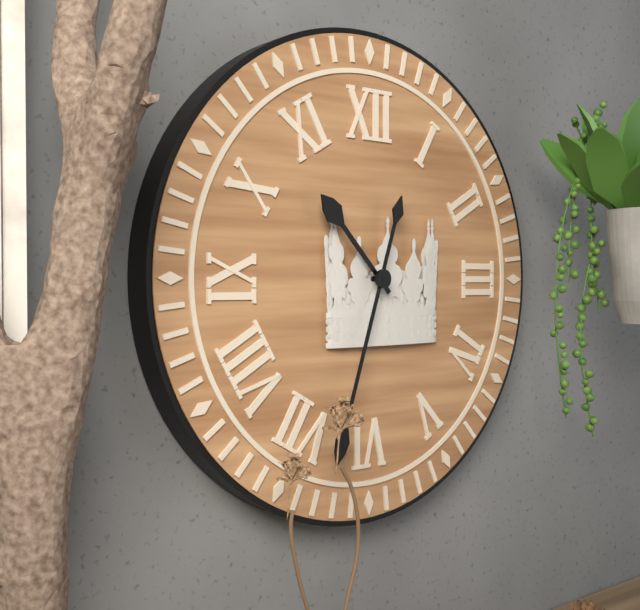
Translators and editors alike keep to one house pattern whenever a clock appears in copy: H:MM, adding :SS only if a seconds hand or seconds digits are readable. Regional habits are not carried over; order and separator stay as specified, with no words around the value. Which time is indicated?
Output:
10:33
